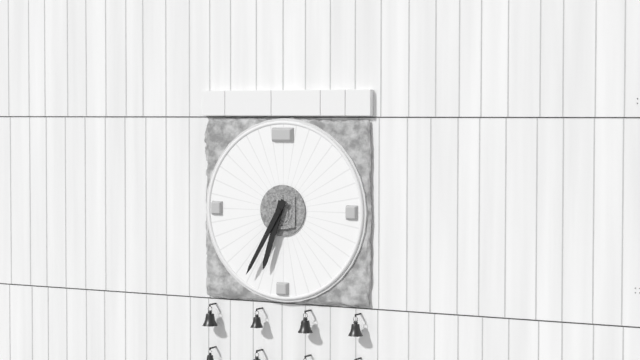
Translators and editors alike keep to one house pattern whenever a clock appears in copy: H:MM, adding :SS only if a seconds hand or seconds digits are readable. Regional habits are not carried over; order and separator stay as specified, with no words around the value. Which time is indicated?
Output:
6:35
